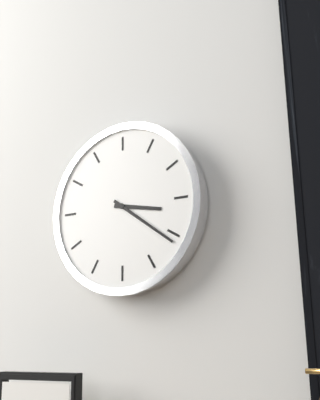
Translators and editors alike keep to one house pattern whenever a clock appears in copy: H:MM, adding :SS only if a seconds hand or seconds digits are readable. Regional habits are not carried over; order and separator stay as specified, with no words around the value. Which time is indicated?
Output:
3:21
